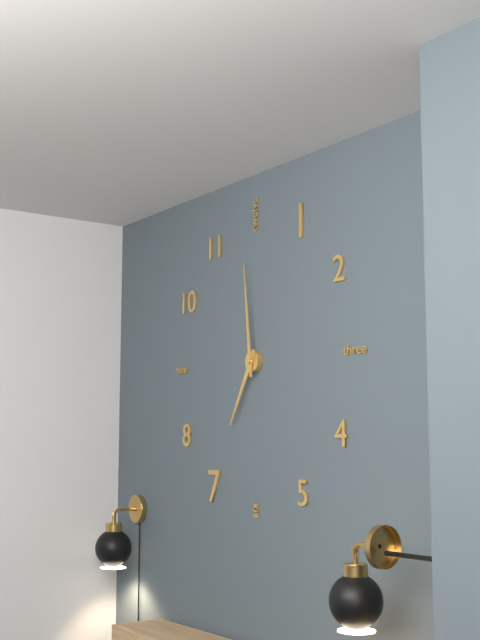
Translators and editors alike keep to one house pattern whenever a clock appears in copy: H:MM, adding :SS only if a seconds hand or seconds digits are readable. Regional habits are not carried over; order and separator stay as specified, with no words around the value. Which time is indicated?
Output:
6:59
